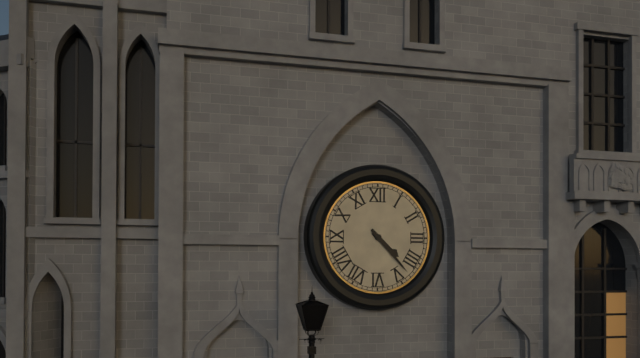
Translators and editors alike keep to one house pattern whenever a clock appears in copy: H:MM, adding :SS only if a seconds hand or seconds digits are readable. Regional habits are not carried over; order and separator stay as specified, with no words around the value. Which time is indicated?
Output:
4:23
